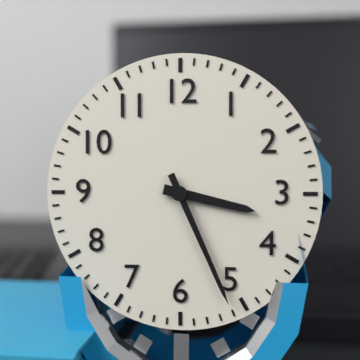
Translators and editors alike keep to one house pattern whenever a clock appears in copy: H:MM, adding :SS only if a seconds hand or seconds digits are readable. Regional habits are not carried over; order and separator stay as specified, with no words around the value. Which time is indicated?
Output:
3:26
